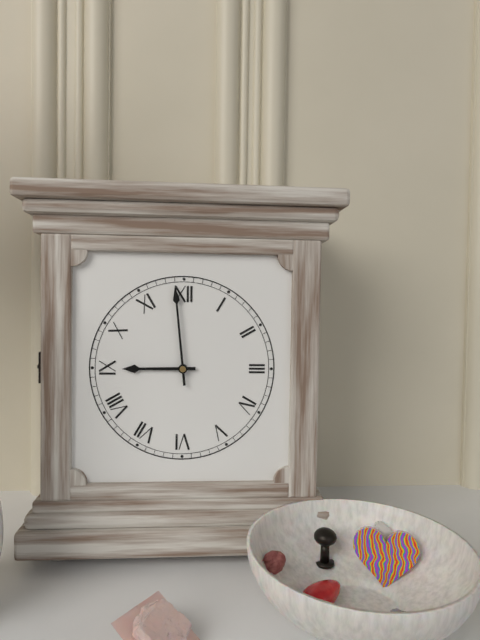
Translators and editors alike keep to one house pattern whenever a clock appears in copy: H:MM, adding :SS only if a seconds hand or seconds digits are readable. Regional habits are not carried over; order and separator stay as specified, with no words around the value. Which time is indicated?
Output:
8:59
